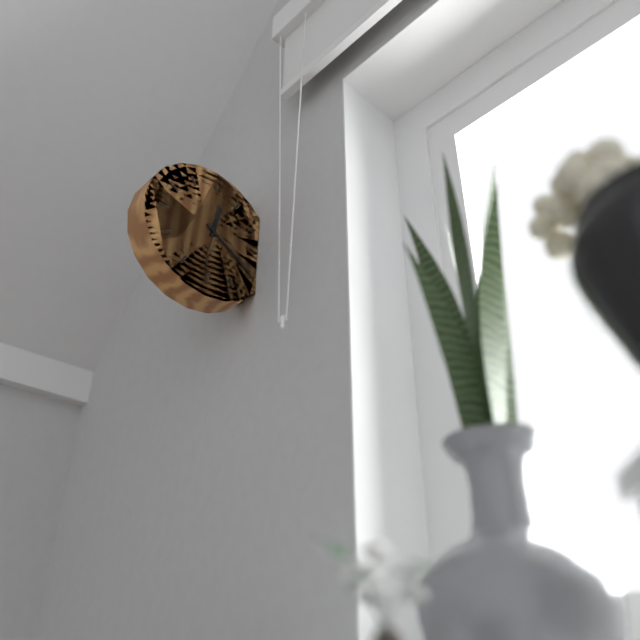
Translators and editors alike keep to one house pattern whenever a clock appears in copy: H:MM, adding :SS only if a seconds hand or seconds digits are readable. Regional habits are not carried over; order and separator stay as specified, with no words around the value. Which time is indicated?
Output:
12:20
